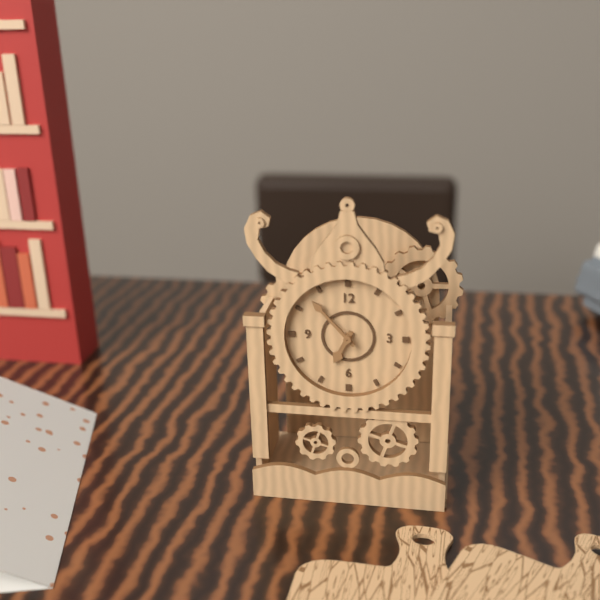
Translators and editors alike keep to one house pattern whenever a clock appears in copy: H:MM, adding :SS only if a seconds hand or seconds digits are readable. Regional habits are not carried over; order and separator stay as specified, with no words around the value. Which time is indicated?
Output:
6:53
